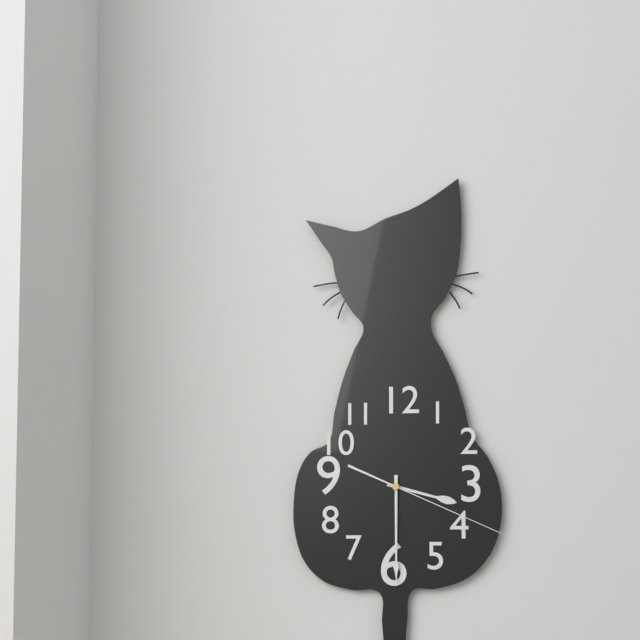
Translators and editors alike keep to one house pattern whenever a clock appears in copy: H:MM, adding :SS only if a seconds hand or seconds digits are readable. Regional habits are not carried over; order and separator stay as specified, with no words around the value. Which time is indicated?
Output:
3:30:19
